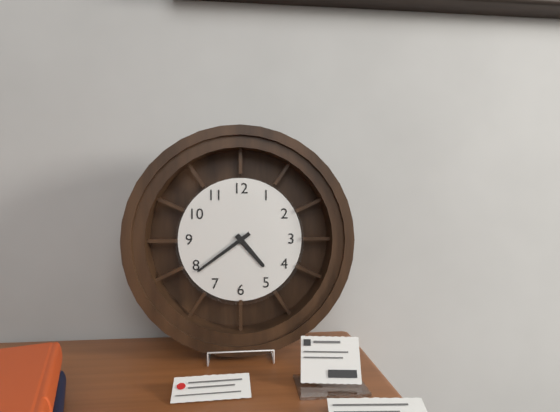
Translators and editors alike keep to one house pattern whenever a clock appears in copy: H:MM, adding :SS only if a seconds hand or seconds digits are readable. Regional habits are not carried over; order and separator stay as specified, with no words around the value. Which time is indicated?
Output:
4:39
